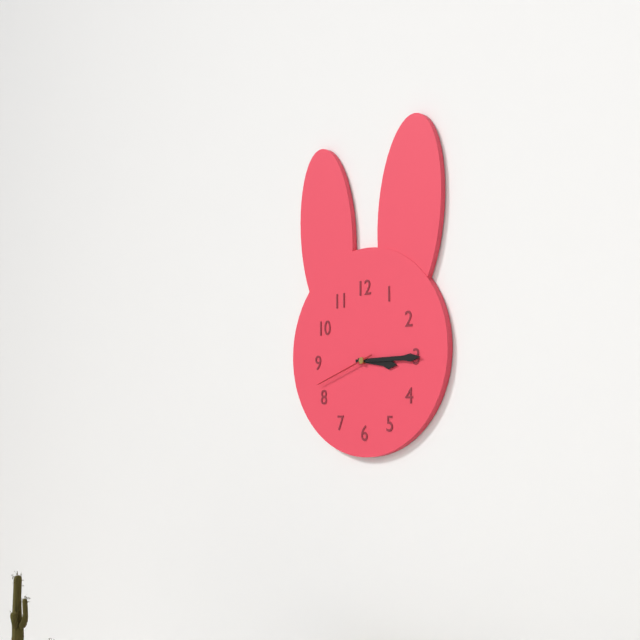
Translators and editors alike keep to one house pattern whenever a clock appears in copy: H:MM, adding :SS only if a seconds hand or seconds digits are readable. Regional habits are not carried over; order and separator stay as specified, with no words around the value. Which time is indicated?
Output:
3:15:42
